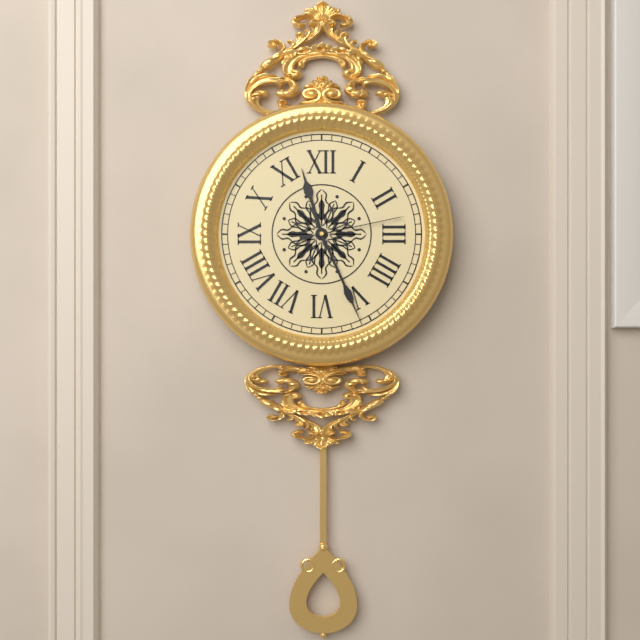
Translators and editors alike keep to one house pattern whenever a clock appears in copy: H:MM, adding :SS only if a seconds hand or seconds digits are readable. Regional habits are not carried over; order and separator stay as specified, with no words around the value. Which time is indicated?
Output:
11:26:13
